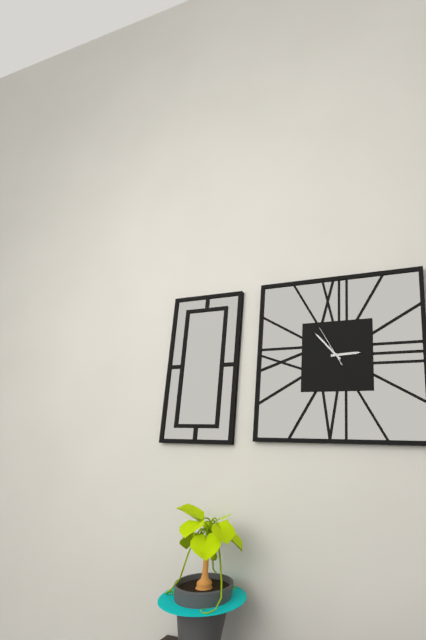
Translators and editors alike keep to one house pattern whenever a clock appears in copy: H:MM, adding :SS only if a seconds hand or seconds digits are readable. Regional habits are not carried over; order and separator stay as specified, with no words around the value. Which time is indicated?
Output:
2:53
